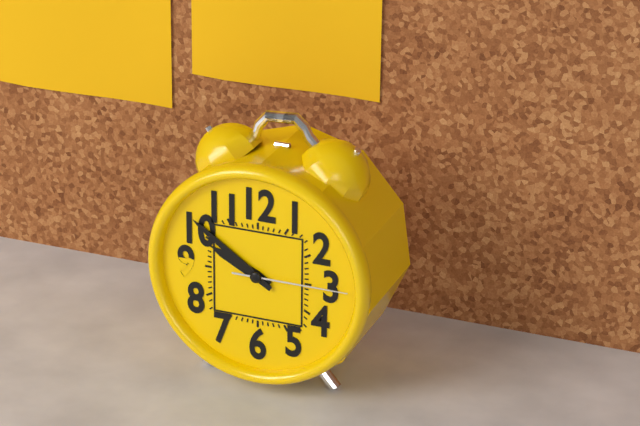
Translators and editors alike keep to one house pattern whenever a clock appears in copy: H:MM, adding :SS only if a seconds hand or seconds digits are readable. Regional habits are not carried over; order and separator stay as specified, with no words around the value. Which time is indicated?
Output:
9:51:15
